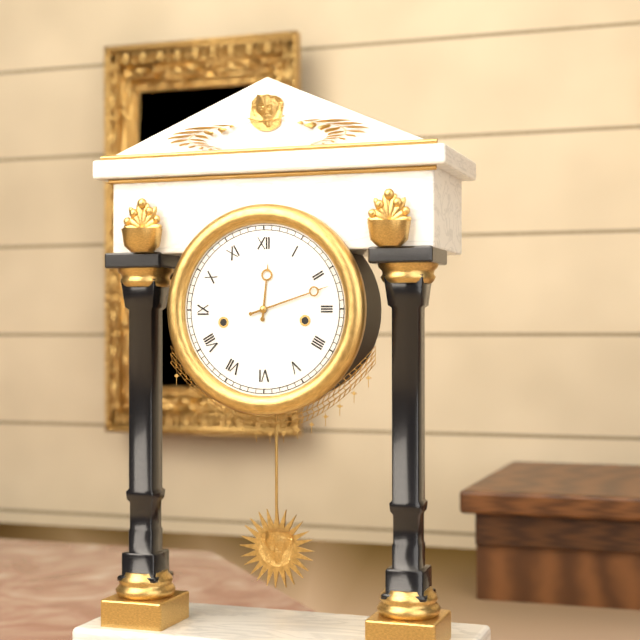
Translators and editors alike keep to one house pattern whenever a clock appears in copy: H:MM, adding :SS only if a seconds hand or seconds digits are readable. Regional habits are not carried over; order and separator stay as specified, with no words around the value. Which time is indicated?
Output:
12:12
